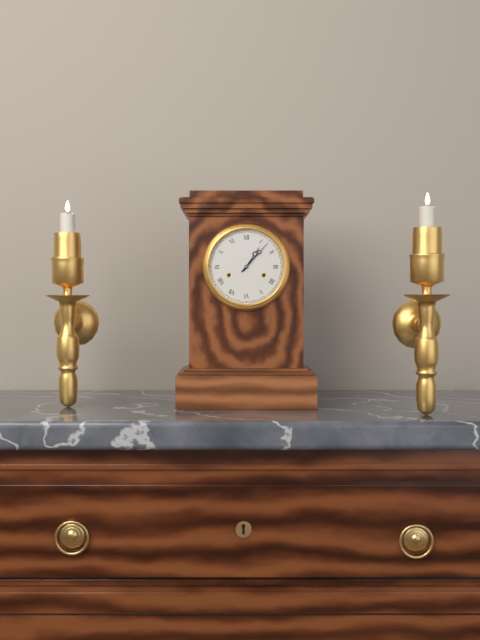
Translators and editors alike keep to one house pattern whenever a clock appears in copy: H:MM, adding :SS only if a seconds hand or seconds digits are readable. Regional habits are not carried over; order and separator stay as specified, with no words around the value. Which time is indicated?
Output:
1:07
